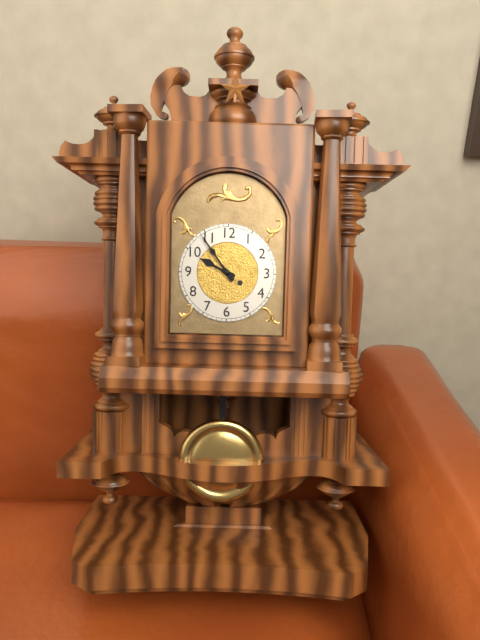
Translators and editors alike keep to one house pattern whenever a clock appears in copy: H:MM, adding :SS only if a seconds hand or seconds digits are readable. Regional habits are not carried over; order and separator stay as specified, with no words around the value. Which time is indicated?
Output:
9:54
